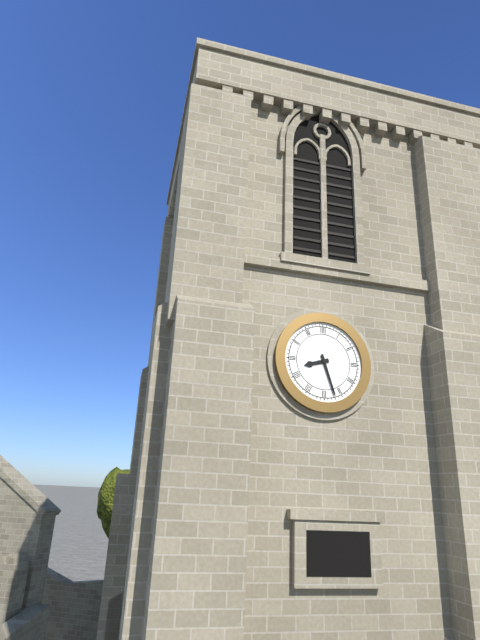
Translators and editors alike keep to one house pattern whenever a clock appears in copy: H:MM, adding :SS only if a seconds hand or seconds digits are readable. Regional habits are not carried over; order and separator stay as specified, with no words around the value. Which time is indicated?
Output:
8:27
